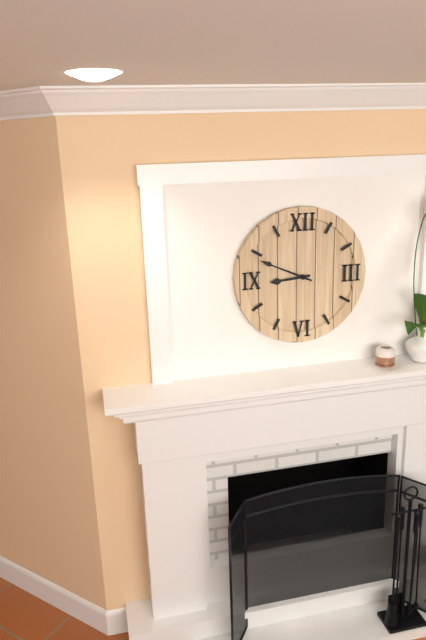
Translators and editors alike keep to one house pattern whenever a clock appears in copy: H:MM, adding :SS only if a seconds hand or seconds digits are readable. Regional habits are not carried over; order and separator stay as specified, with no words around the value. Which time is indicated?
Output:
8:49
